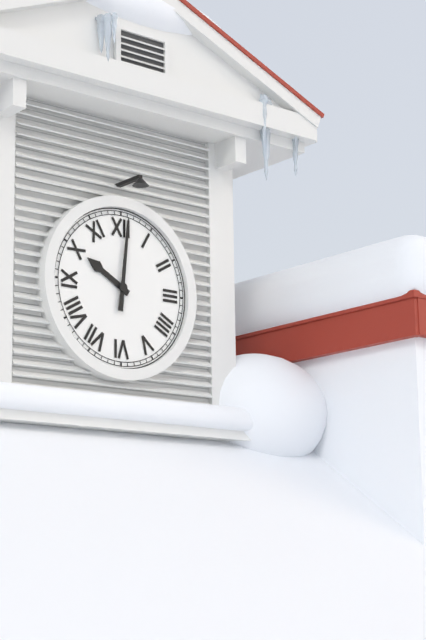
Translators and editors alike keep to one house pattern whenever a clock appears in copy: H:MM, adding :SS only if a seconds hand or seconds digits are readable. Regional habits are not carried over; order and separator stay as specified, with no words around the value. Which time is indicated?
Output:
10:01
